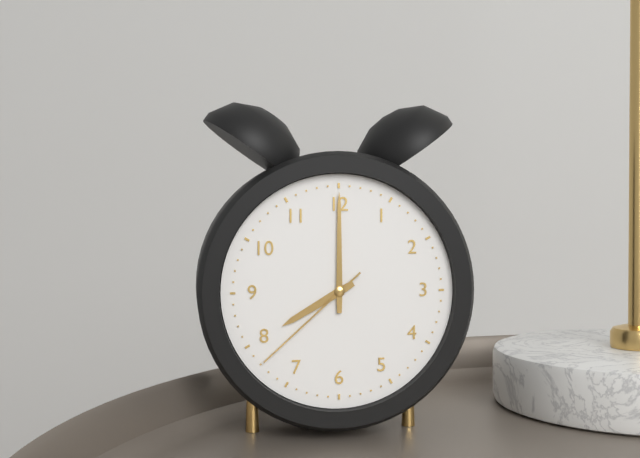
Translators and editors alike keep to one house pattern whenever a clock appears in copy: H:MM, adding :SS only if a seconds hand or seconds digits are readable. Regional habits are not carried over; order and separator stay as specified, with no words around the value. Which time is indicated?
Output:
8:00:38
